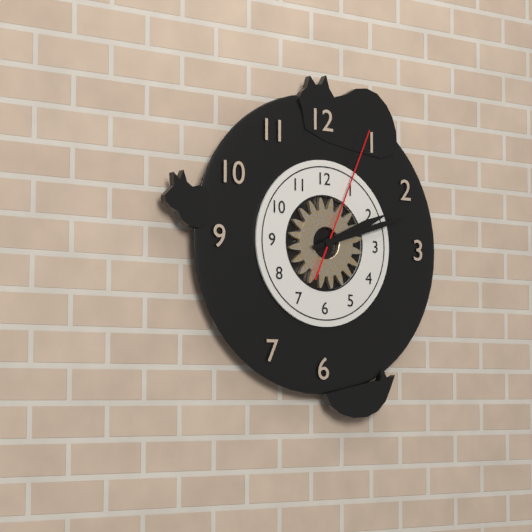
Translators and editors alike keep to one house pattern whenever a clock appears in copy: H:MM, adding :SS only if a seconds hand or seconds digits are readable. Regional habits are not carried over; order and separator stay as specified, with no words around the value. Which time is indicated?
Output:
2:12:04
